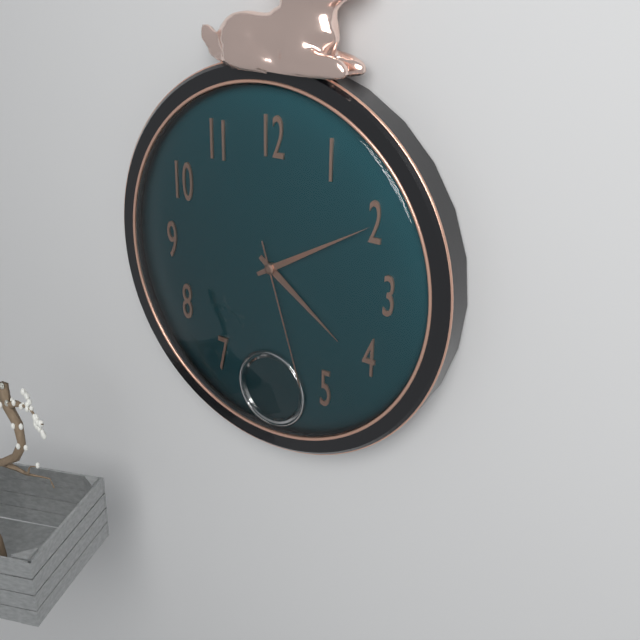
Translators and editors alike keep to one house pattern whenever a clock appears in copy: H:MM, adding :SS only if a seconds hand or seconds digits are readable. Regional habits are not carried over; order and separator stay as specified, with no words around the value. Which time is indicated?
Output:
4:10:27
